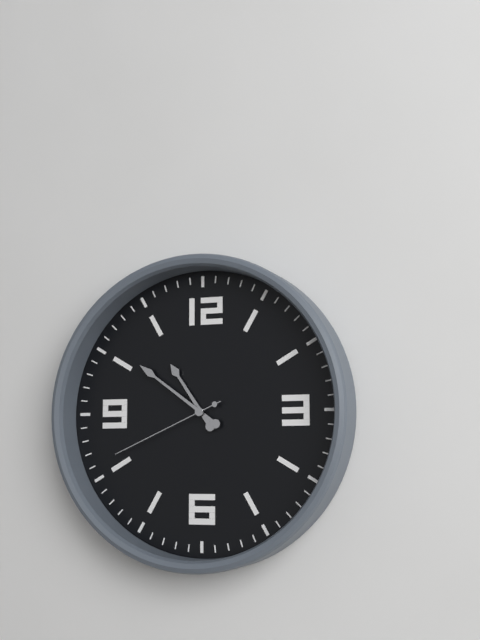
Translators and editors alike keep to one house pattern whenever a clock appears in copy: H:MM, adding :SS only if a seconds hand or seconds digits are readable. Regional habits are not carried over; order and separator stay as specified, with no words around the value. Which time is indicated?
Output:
10:51:41
